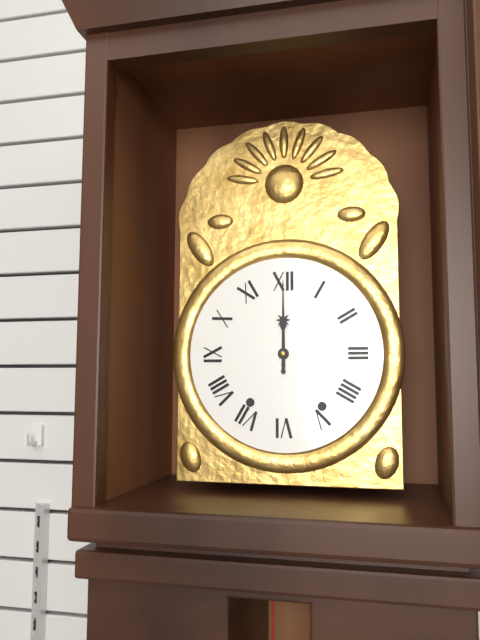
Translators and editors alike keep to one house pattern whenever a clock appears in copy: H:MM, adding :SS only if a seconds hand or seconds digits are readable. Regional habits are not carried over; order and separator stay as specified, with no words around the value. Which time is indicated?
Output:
12:00
